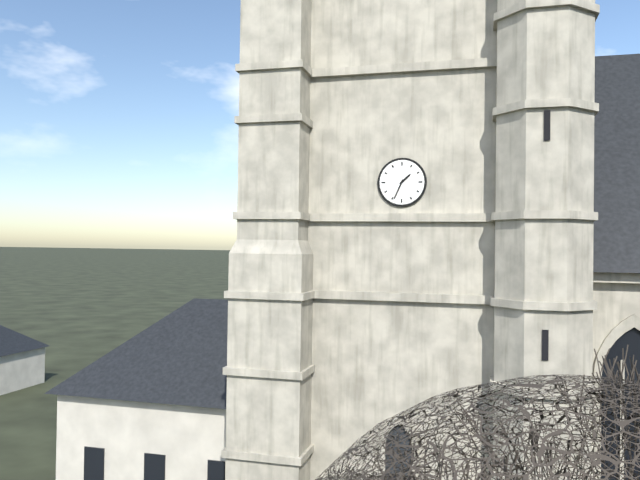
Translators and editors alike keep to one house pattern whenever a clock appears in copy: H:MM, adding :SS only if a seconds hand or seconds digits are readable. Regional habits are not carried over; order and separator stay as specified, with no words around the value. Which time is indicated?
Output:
1:34
